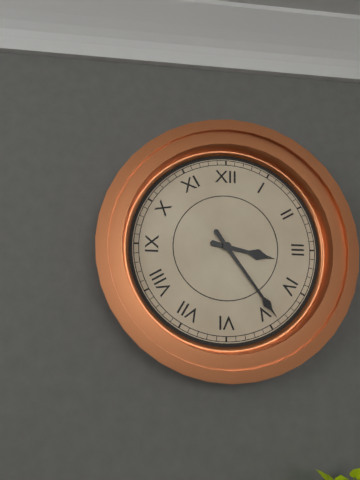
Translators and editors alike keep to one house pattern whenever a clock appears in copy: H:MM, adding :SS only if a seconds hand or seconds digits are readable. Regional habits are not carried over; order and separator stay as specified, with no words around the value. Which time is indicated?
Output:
3:24
